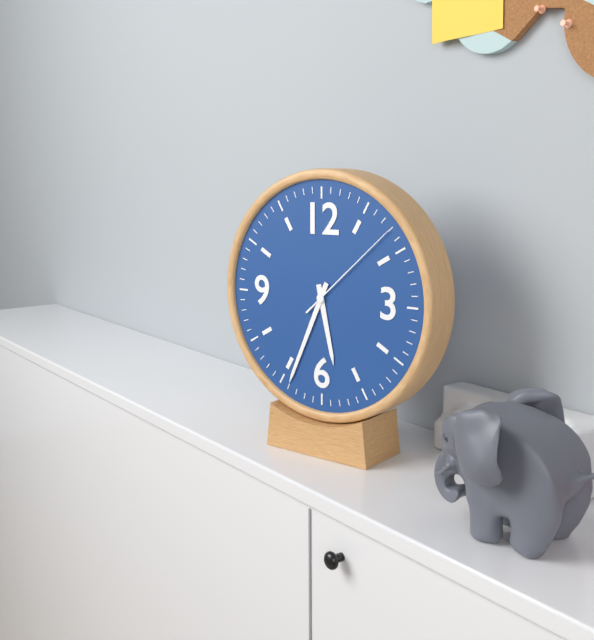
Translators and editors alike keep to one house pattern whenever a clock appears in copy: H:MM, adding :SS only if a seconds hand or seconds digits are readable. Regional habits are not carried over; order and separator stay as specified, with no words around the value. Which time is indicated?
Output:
5:34:08
